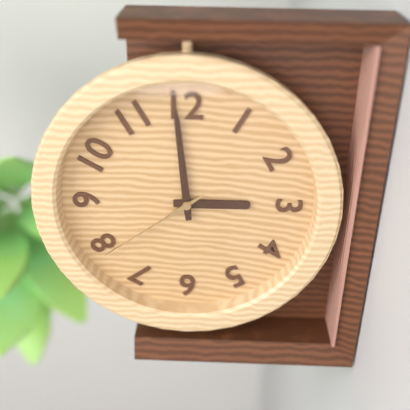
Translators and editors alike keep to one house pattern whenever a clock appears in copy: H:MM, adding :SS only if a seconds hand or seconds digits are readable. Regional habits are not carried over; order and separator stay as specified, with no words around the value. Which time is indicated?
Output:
2:59:39
